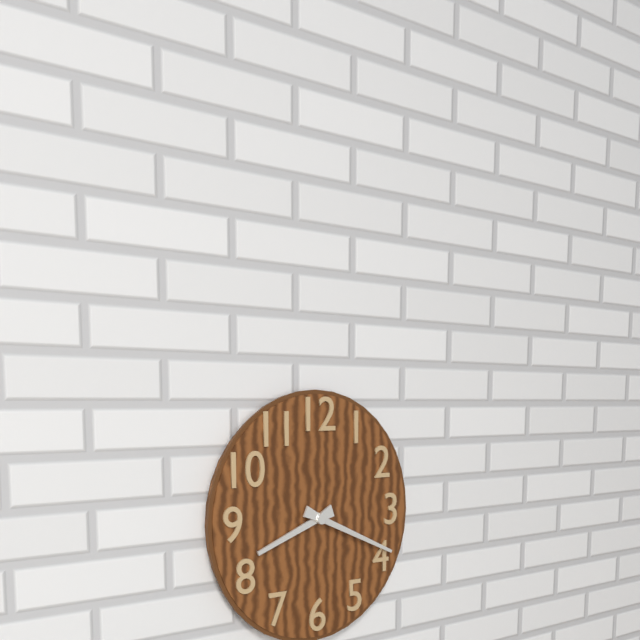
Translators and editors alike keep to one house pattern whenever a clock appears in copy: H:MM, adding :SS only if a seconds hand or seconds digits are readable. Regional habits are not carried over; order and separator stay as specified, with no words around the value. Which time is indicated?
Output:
8:19
